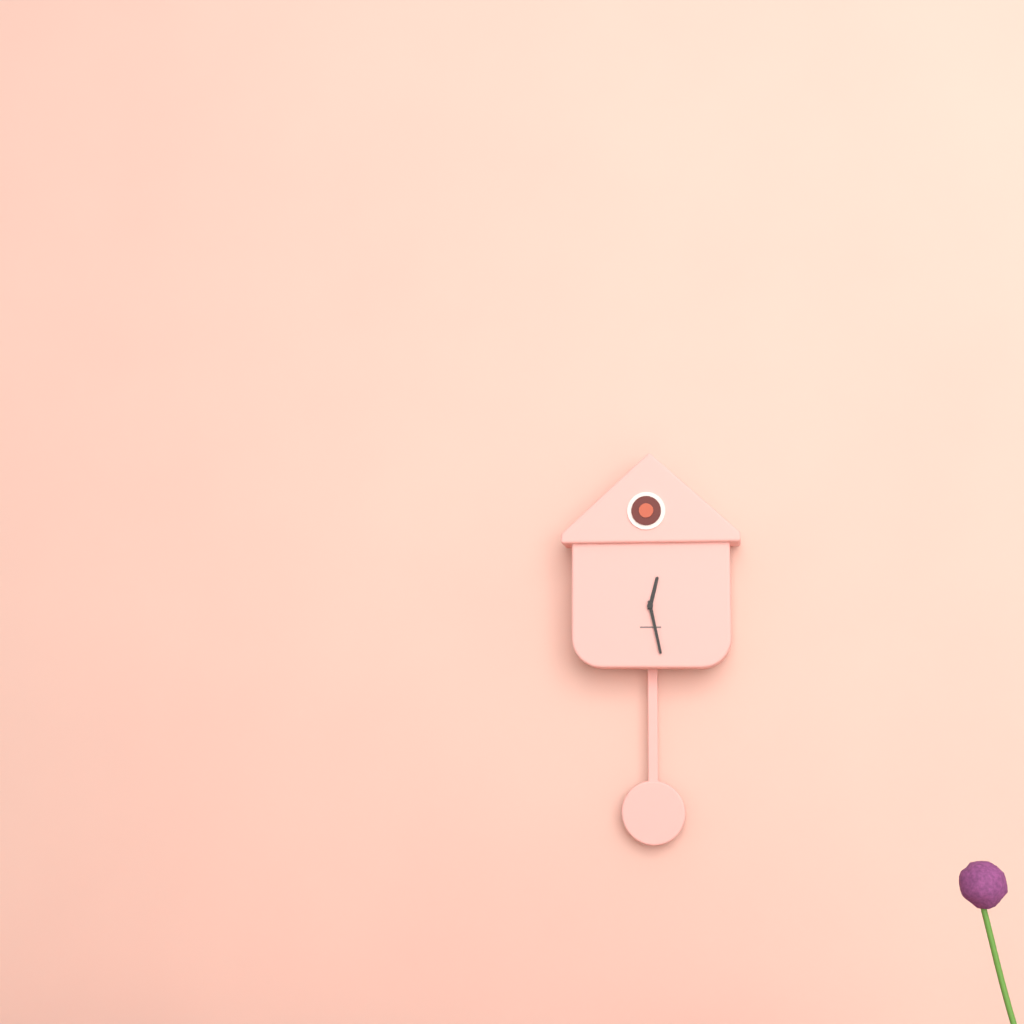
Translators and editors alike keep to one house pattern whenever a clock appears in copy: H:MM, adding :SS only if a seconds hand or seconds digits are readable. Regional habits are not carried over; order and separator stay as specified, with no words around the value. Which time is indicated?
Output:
12:28
